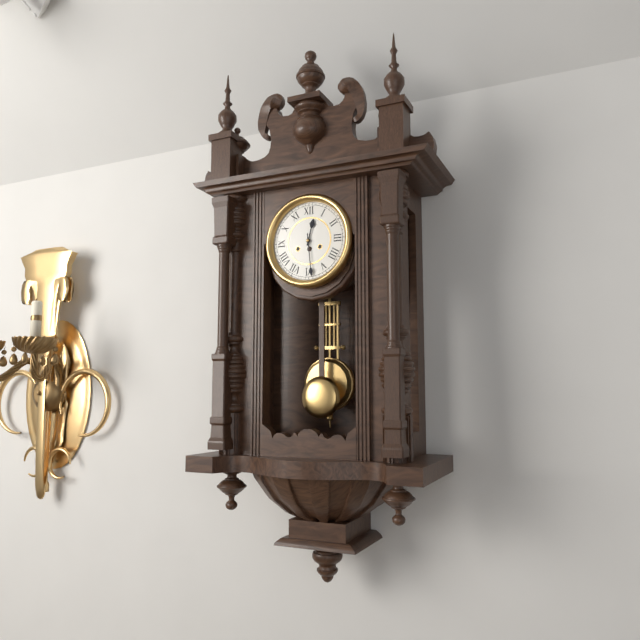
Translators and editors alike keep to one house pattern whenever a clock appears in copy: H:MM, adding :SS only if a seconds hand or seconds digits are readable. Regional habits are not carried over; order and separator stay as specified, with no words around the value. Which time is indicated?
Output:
12:29
